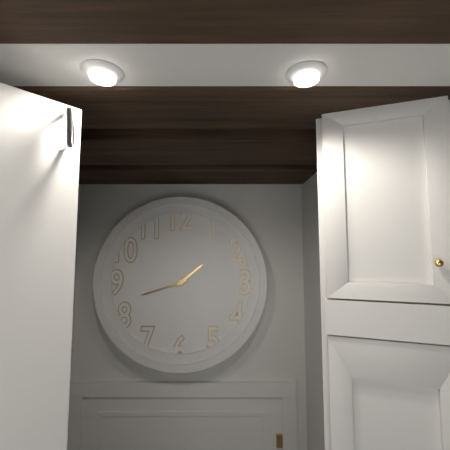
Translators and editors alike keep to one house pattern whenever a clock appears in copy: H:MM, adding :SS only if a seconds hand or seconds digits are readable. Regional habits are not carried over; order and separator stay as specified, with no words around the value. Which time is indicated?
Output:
1:42
